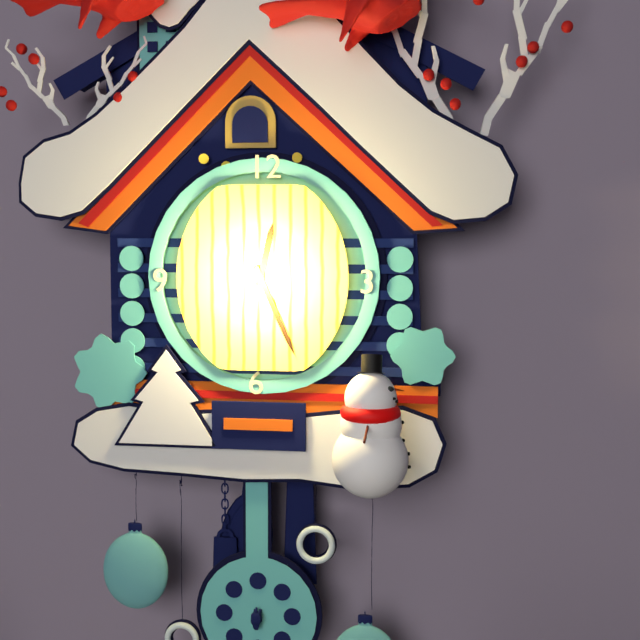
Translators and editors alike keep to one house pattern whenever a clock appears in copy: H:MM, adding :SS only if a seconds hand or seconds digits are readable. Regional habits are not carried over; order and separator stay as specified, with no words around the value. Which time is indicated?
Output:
12:26
